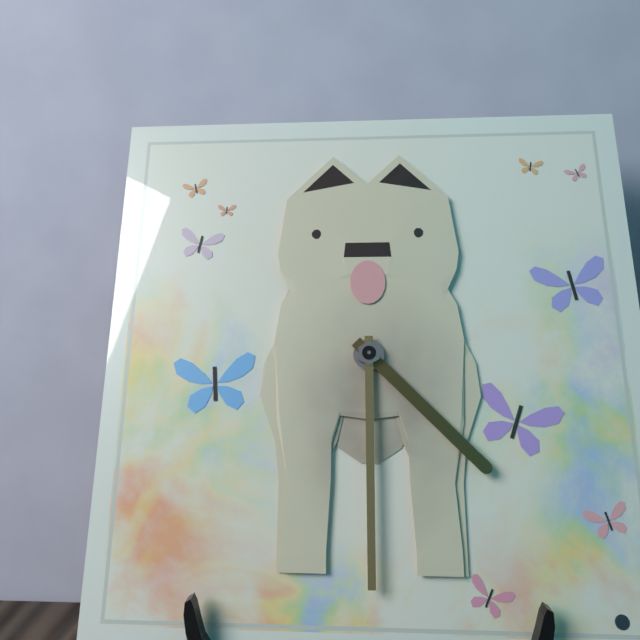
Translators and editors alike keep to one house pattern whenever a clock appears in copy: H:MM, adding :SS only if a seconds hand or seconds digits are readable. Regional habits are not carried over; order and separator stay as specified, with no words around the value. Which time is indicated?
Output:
4:30
